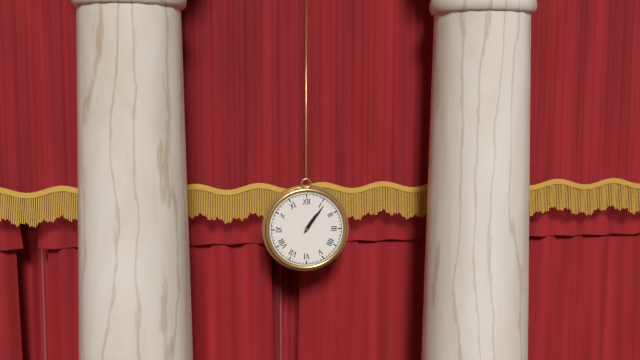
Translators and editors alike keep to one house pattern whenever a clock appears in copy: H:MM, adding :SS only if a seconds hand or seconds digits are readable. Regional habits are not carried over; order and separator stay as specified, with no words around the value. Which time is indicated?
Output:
1:06
